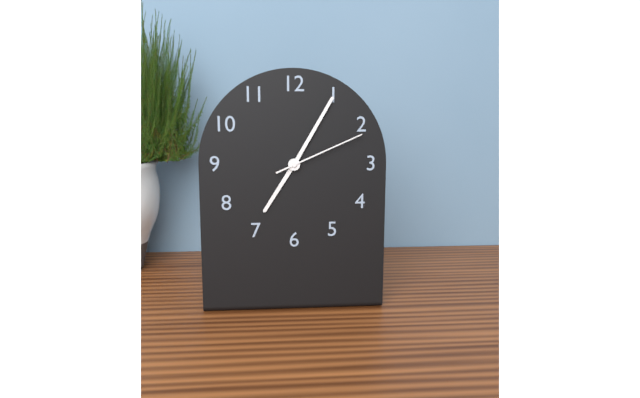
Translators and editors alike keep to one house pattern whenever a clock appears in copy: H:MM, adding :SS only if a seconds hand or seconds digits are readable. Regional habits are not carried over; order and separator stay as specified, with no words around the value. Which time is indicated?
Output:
7:05:11
